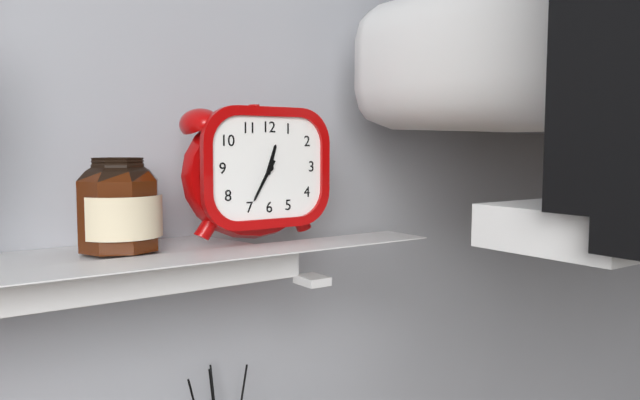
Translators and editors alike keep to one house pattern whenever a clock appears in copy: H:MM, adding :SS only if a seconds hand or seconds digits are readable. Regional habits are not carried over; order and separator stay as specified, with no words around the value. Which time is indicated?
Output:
12:35
